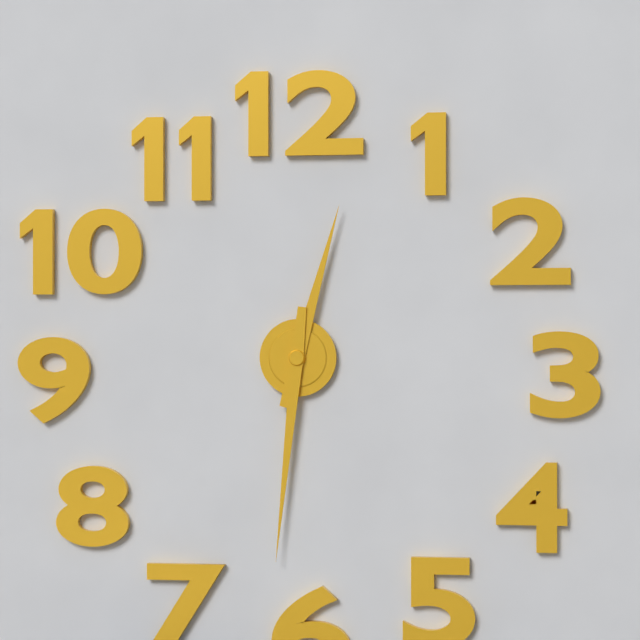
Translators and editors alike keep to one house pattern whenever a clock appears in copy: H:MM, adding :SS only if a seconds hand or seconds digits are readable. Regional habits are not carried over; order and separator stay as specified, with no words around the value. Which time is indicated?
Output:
12:31
